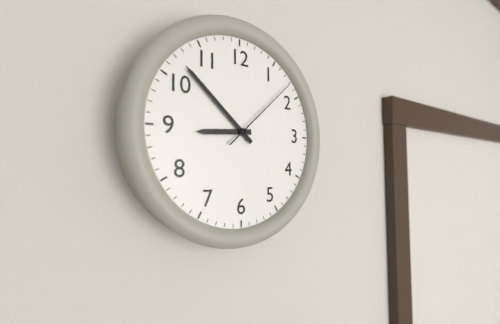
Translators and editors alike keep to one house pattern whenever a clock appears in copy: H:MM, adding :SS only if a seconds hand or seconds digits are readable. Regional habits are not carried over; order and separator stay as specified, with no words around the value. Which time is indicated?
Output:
8:52:08
